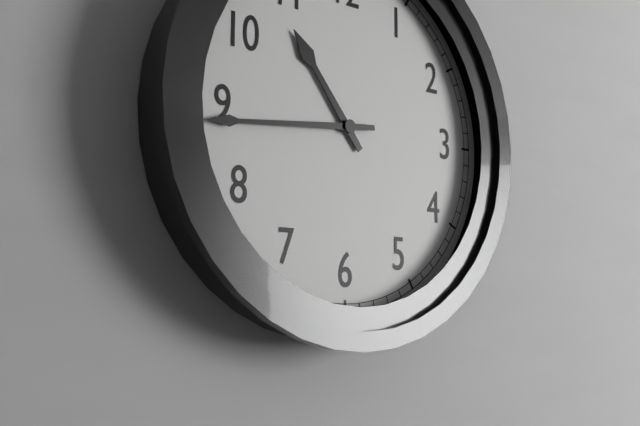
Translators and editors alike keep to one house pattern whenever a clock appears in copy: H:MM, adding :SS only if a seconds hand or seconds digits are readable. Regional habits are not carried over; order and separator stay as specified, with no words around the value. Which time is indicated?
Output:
10:44
